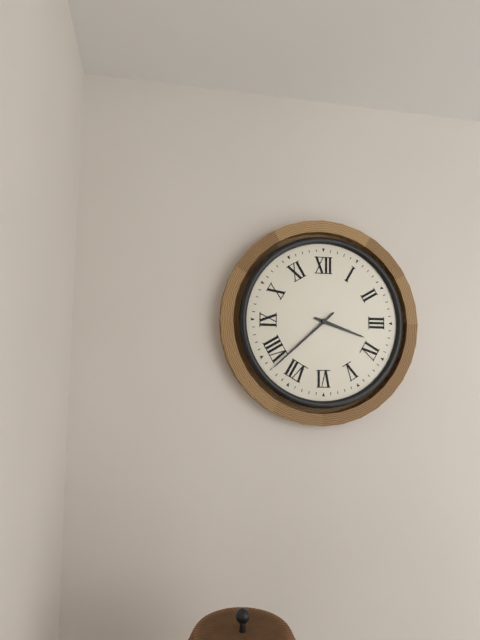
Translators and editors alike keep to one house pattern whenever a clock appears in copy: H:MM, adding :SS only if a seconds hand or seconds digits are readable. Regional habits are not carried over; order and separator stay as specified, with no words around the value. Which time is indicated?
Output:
3:38
